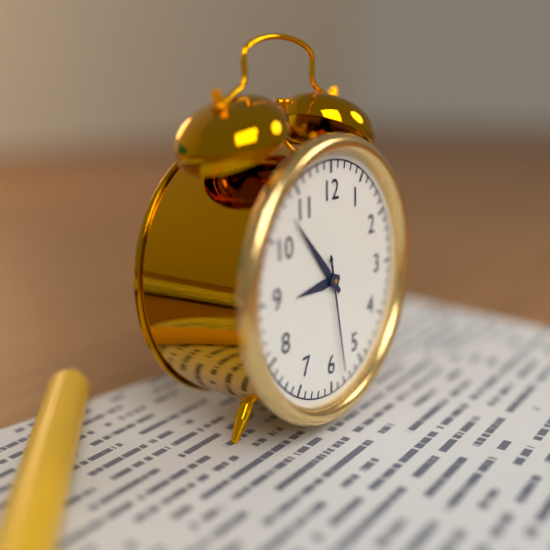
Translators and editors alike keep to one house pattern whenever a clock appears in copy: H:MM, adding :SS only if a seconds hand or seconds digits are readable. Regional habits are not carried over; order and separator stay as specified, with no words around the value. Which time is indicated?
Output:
8:53:28
